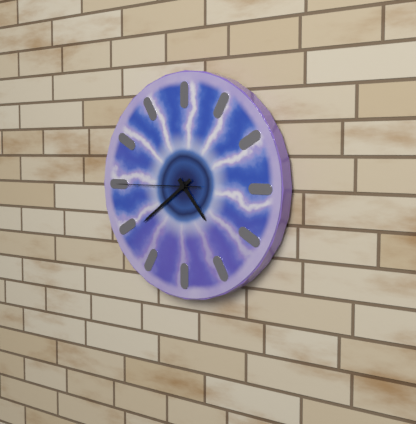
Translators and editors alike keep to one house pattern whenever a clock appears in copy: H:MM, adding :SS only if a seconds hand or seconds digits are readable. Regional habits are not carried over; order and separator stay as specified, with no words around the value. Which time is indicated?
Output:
4:39:45
